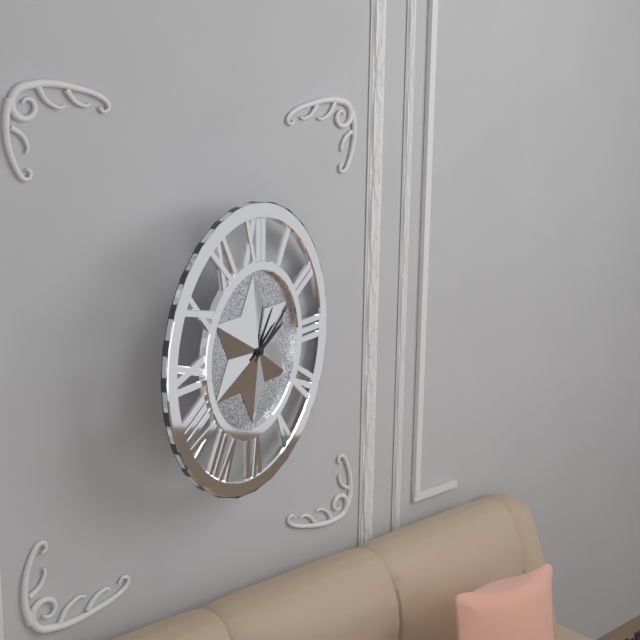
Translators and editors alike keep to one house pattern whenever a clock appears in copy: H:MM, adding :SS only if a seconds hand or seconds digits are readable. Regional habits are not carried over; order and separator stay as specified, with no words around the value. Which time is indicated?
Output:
2:09
